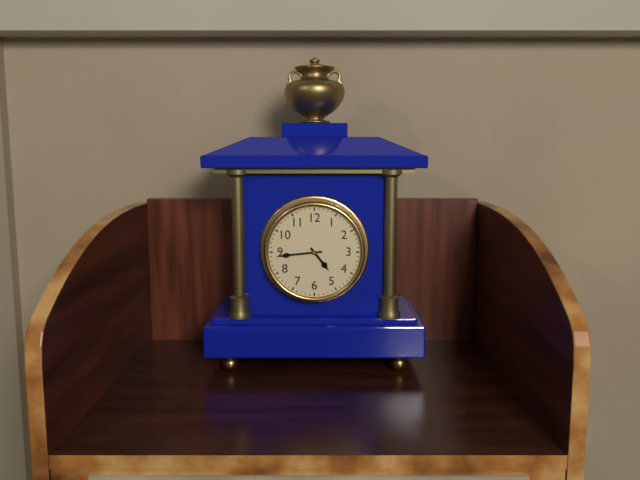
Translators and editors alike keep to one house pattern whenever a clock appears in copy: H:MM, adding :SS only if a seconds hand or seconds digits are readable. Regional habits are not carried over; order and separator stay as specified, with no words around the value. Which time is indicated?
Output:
4:44
